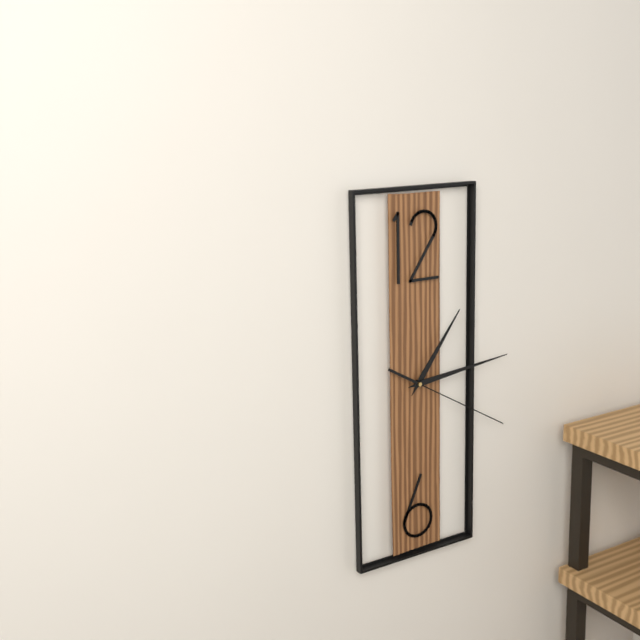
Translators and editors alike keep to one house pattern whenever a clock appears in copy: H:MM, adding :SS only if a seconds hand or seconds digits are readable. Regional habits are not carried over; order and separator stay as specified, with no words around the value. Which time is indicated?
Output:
1:14:20
